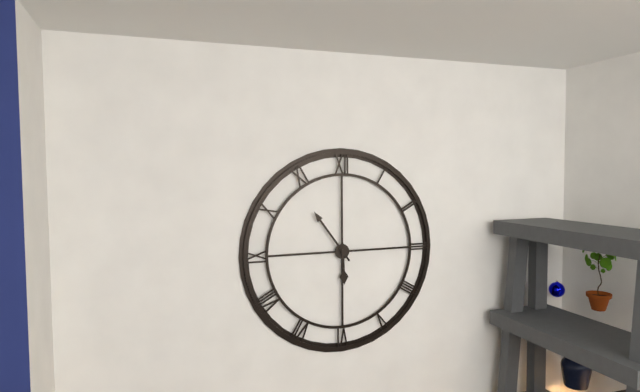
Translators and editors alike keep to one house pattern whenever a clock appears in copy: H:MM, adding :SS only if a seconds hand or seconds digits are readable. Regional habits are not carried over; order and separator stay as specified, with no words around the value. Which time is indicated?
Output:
5:54
